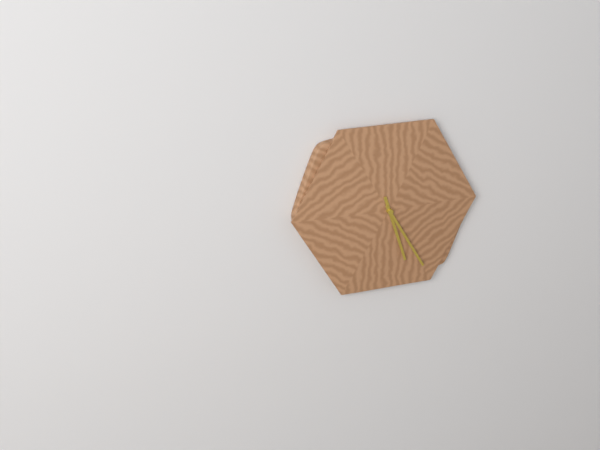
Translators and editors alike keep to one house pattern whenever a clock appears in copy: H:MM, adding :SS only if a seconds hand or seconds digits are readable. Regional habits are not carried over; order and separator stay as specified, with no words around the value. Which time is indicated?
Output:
5:25
